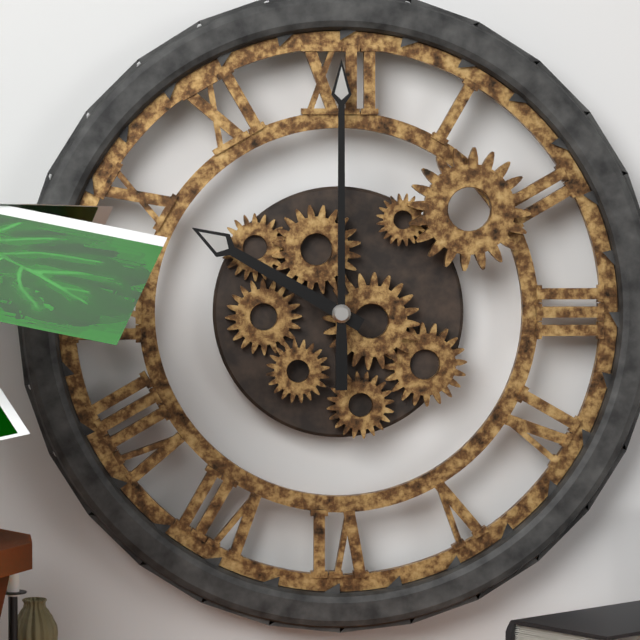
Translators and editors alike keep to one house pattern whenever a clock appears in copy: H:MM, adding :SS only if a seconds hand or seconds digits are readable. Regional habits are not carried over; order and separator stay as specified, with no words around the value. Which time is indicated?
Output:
10:00
